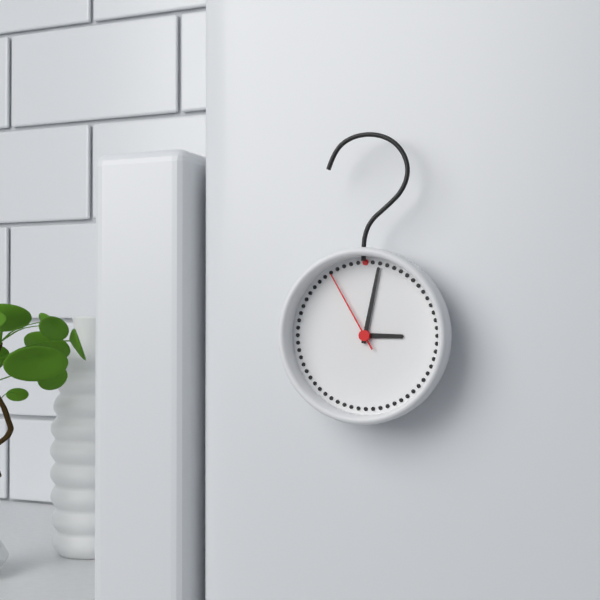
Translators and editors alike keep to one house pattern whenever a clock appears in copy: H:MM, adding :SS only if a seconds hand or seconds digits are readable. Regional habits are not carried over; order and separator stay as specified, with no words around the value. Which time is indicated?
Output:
3:02:55
